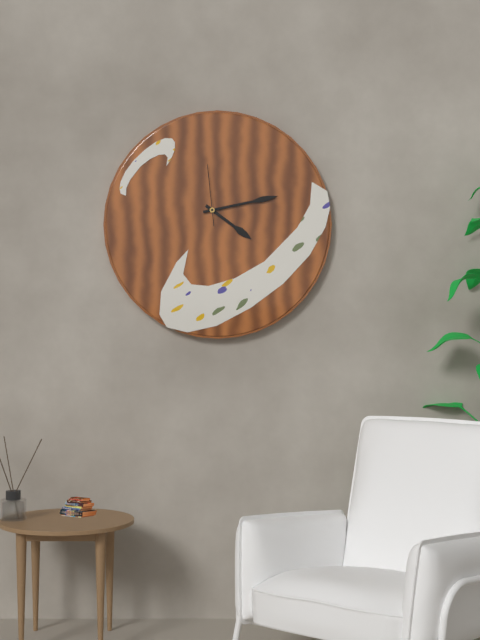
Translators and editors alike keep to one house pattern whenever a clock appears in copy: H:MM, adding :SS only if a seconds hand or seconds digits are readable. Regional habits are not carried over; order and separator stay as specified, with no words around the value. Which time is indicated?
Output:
4:13:59
